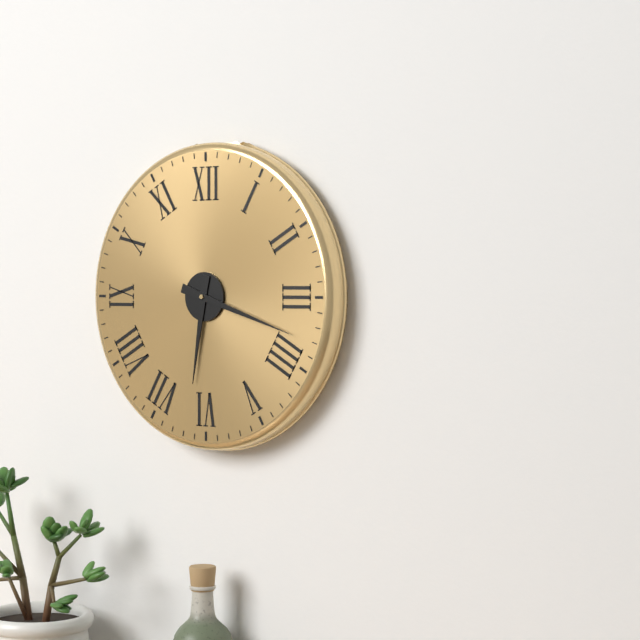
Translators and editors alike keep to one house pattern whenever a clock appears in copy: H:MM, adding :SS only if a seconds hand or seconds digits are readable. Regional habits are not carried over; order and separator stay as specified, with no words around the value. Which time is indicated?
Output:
6:18
